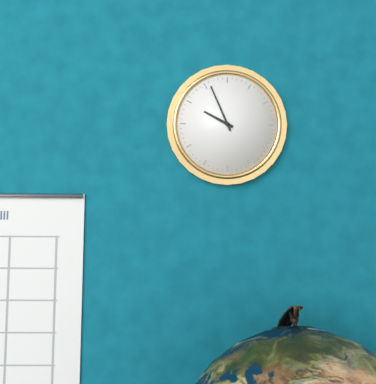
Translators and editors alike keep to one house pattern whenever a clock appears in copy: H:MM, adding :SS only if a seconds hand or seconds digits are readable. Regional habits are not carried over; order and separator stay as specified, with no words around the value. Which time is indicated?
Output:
9:56
